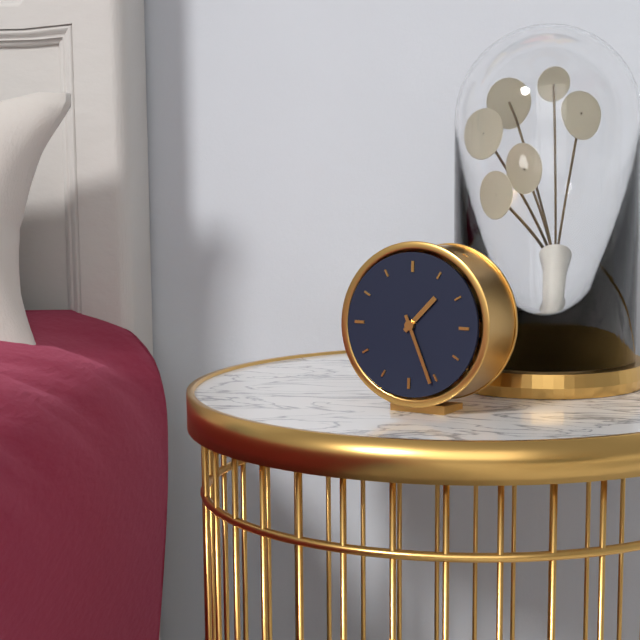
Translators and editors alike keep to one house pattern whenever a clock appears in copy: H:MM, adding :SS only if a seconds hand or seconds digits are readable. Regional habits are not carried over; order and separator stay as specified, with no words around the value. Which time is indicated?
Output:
1:26
